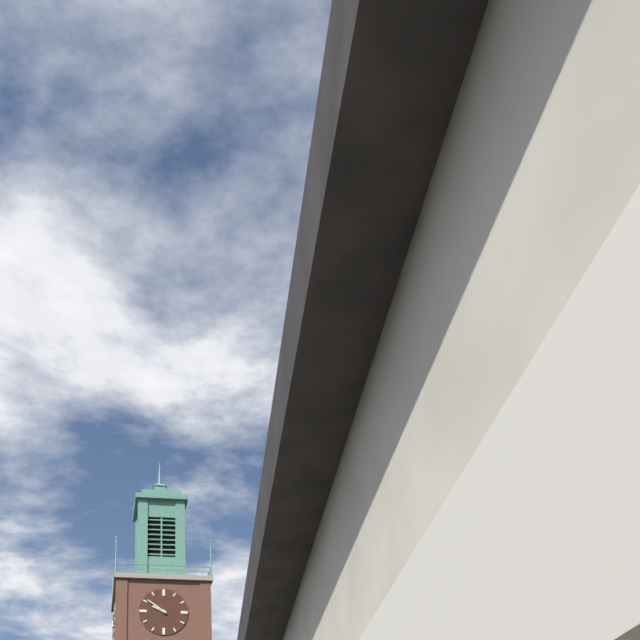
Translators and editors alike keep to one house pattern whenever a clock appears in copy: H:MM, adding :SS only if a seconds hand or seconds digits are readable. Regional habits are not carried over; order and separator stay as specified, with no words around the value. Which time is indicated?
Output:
9:51
